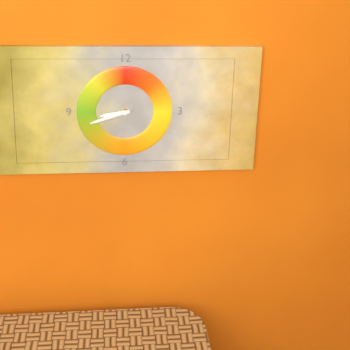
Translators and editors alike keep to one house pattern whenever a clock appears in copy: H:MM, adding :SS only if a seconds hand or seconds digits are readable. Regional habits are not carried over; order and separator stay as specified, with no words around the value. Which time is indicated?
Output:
8:42
